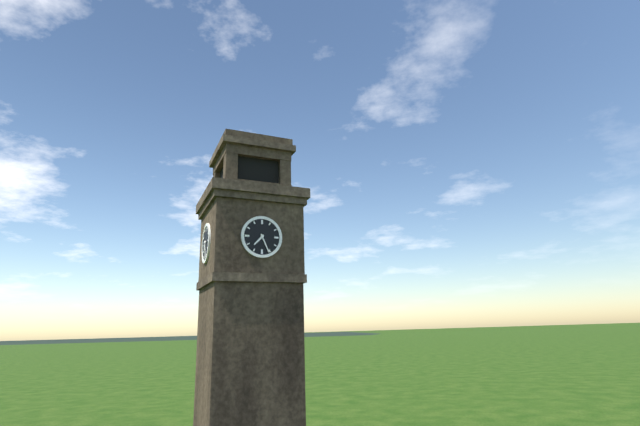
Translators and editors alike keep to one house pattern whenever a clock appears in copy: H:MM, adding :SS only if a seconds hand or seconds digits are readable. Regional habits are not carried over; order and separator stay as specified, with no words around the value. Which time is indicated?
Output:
7:26
